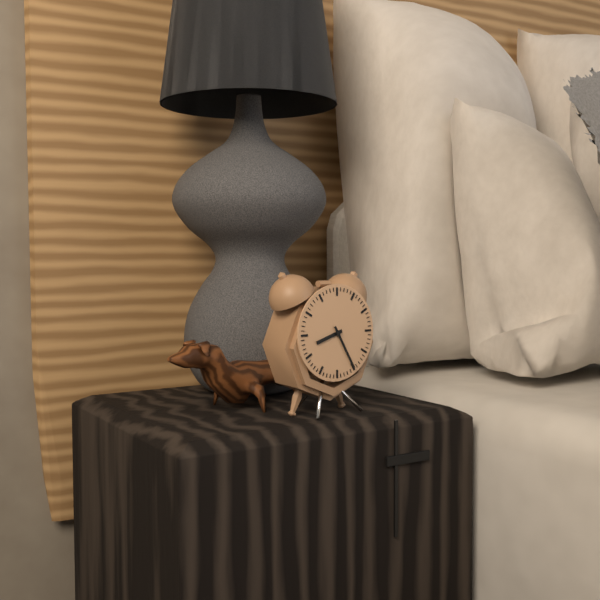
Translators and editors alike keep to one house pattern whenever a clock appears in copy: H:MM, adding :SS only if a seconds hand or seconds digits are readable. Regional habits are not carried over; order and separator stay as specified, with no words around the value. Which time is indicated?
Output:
8:25
